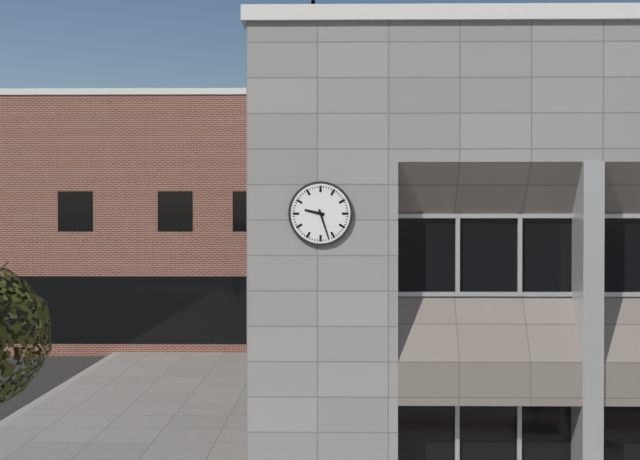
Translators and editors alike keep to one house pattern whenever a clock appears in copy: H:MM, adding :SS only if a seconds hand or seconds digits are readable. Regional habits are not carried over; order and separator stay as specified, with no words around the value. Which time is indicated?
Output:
9:27
